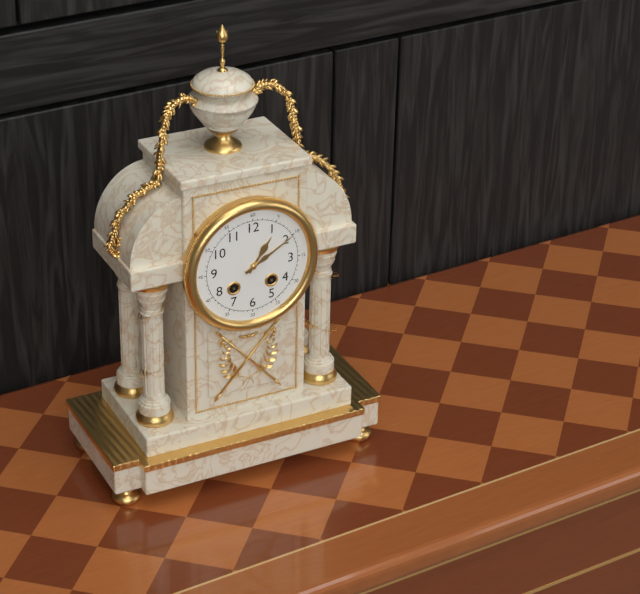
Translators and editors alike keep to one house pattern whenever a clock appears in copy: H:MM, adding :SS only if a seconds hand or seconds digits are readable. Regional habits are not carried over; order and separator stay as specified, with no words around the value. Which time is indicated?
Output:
1:10
